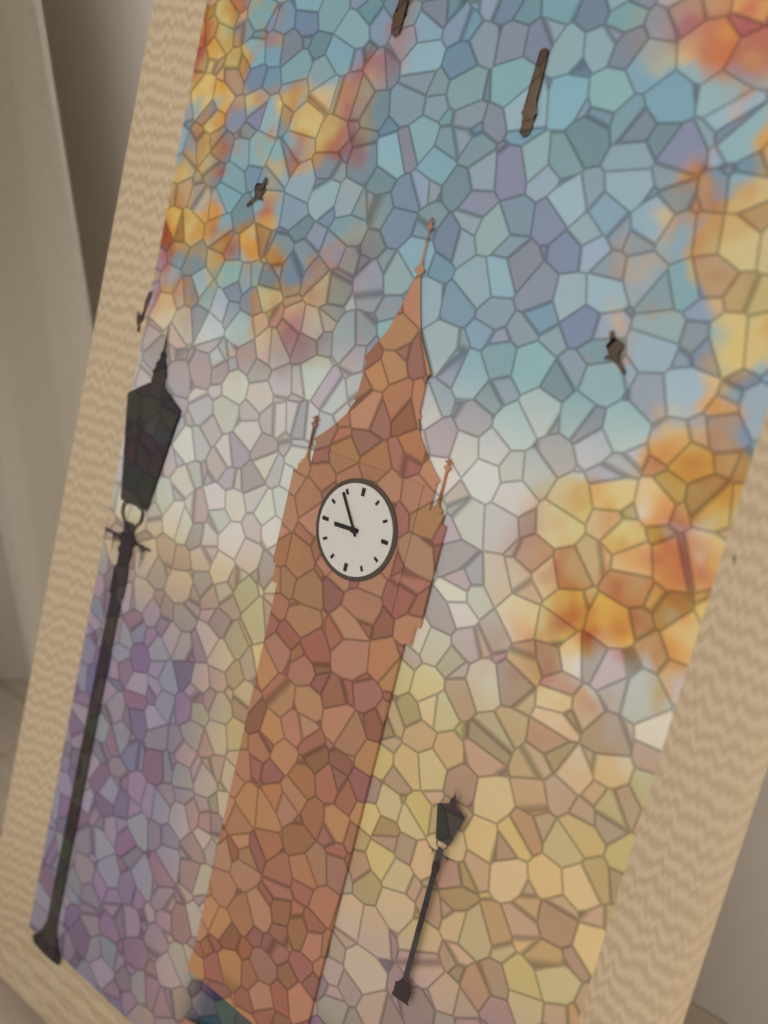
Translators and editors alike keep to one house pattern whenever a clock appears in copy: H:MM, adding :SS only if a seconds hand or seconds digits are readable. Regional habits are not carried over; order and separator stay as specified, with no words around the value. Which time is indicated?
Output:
8:54
